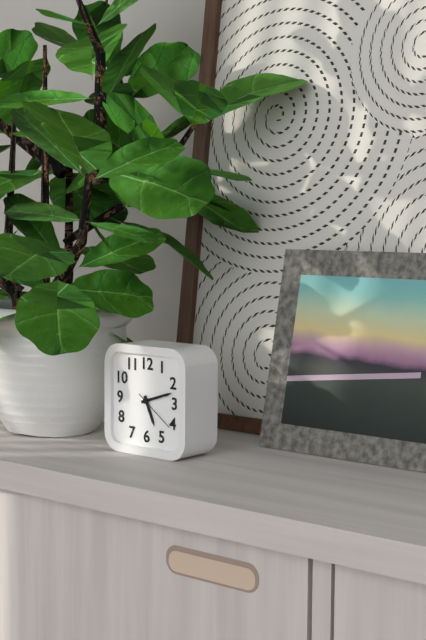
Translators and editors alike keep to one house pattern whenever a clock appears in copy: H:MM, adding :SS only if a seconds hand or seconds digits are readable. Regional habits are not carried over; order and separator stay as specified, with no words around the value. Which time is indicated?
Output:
5:12
